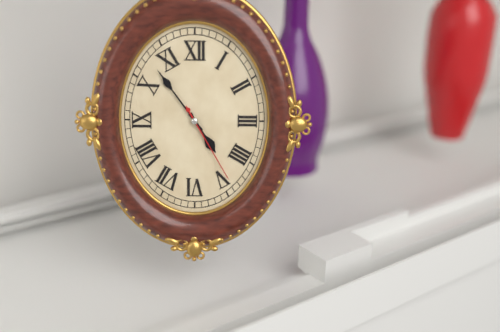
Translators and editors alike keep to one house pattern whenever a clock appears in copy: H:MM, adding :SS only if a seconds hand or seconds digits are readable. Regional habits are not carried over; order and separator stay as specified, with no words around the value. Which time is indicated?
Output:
4:54:25
